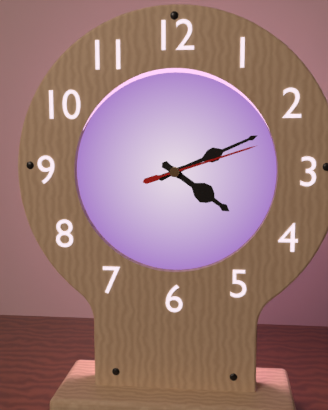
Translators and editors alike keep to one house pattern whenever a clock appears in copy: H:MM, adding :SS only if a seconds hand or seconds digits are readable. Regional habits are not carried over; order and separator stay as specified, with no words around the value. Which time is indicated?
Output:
4:11:12
